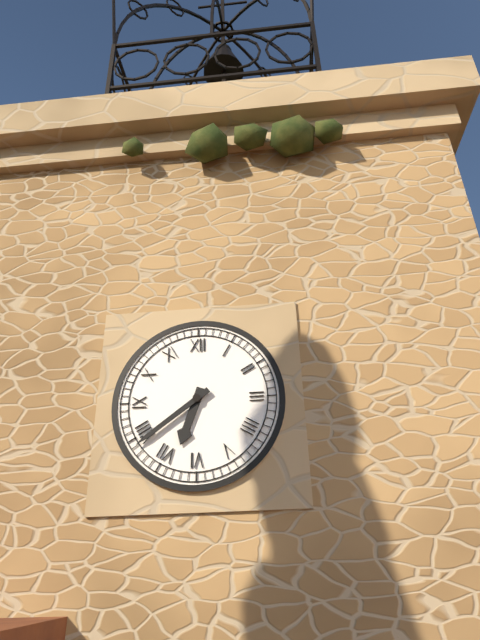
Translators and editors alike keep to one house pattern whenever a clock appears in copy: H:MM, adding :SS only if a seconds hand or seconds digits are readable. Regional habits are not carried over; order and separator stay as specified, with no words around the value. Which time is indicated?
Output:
6:39
